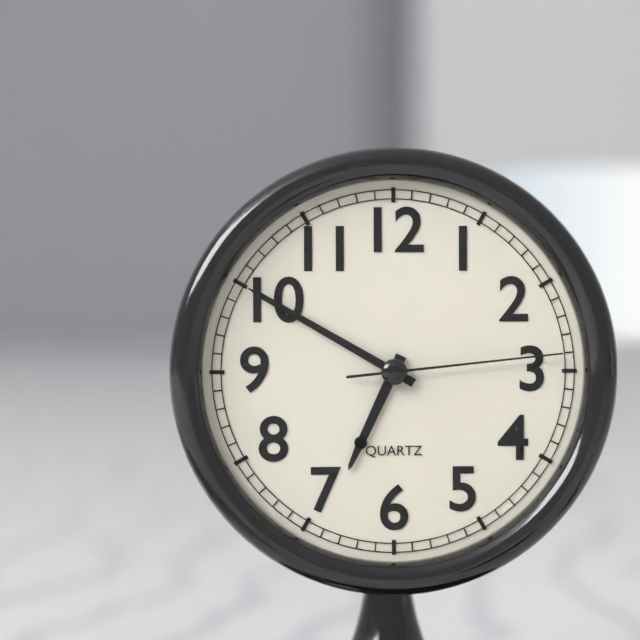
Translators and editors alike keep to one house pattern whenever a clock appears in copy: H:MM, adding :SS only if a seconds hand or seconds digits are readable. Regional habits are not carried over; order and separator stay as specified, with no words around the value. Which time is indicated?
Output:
6:50:14
